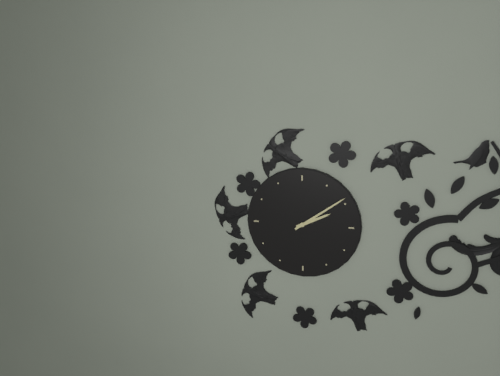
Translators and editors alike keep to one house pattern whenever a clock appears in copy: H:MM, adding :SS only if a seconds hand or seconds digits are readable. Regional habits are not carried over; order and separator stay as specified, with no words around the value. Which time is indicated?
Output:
2:09
